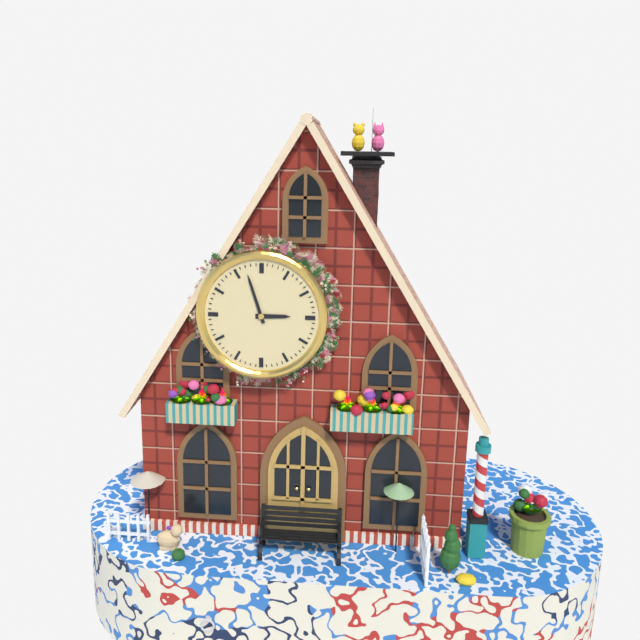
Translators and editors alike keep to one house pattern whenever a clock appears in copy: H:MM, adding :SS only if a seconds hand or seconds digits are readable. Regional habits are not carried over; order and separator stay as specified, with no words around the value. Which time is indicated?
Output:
2:57
